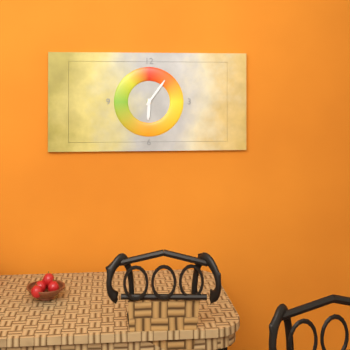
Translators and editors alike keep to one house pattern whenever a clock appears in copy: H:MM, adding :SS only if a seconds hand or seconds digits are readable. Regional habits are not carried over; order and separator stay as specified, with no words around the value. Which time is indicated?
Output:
6:06
